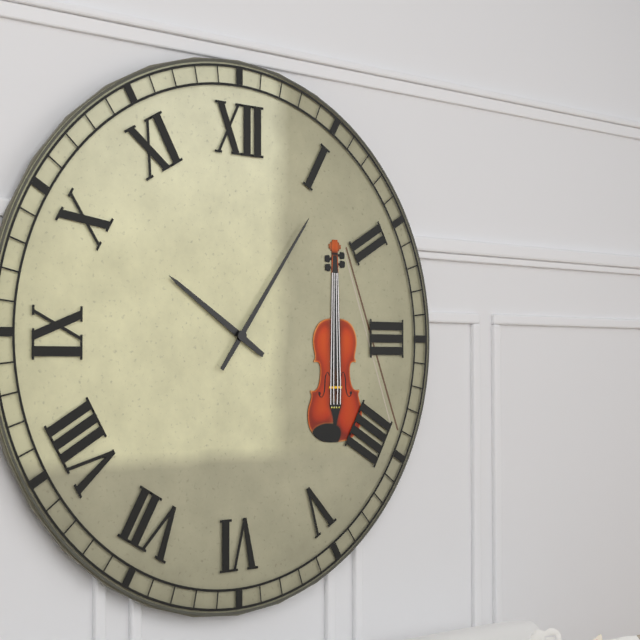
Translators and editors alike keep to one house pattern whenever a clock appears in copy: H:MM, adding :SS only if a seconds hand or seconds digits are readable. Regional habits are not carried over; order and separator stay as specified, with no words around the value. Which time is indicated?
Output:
10:06
